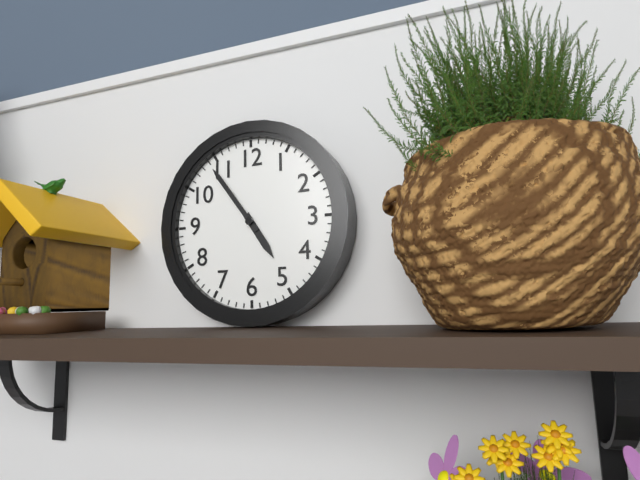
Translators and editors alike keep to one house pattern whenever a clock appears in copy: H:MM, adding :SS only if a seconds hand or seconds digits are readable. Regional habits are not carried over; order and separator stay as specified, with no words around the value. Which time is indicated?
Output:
4:54
